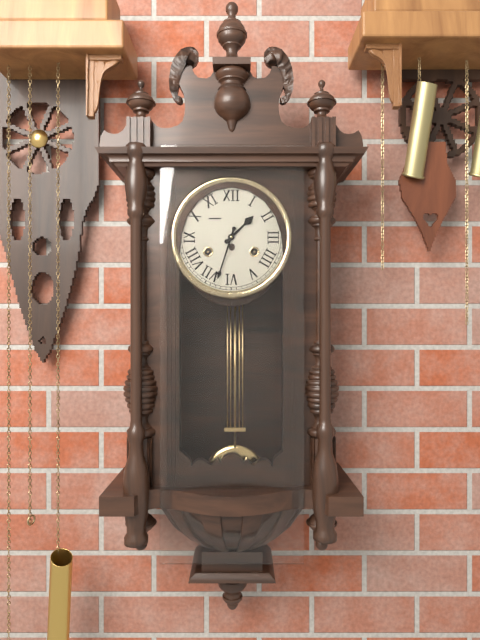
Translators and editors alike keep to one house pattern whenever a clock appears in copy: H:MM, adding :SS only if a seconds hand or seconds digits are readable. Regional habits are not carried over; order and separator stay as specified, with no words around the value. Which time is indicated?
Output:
1:33
